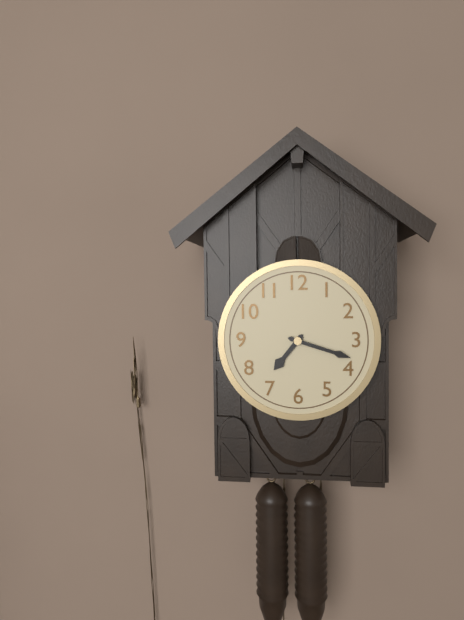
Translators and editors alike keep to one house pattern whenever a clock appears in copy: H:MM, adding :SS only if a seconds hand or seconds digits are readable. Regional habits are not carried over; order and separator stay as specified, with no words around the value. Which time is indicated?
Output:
7:18
